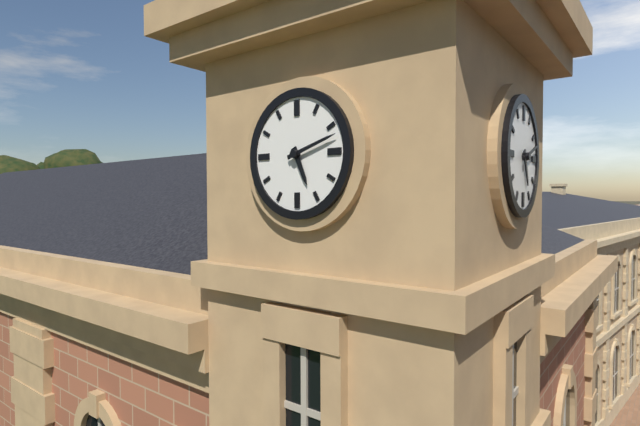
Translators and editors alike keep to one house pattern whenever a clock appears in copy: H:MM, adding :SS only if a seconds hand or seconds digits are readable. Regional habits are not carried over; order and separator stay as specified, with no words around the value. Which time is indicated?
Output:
5:12
